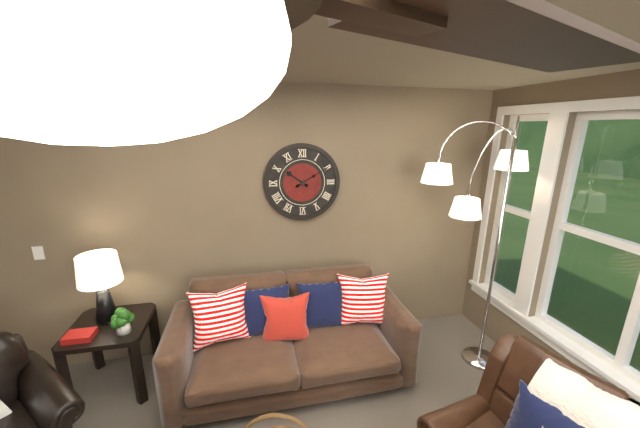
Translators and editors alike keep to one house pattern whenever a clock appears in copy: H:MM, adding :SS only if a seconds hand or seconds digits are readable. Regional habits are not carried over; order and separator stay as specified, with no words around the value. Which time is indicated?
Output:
10:10
